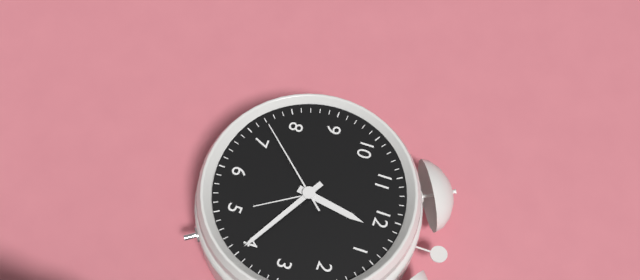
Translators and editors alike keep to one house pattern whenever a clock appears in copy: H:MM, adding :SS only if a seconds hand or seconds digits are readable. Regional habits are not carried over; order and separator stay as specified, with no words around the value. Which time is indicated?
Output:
12:20:37
